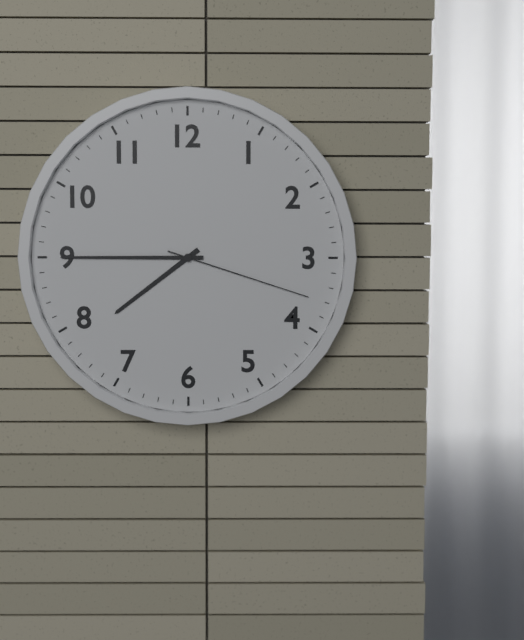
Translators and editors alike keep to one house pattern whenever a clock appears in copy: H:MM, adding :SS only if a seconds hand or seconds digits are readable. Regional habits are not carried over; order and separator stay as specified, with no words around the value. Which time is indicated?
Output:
7:45:18
